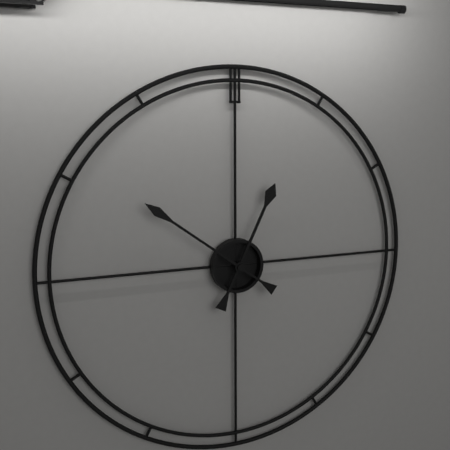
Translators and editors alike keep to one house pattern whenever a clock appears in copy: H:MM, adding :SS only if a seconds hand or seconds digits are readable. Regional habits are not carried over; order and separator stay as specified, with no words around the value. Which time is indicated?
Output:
12:51
